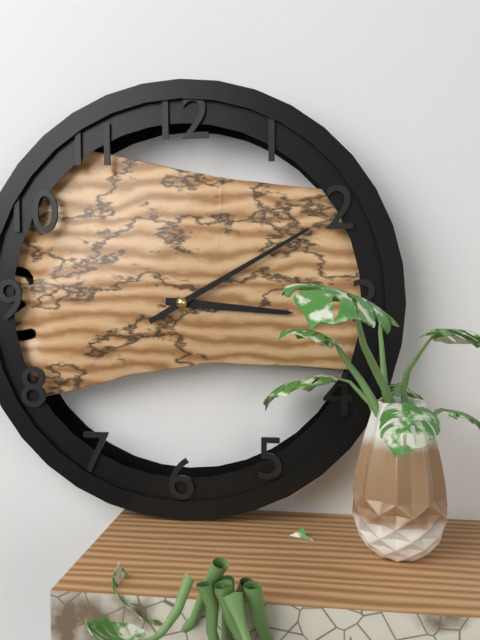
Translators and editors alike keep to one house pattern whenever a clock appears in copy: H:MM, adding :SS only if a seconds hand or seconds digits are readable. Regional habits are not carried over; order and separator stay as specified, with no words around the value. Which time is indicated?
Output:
3:10
